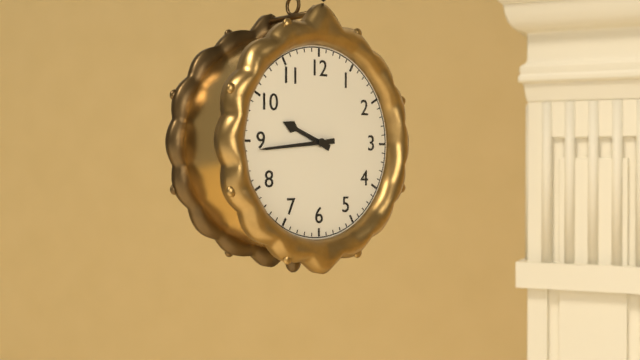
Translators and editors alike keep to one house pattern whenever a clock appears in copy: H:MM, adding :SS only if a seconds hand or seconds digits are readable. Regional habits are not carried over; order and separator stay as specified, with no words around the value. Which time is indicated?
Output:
9:44
